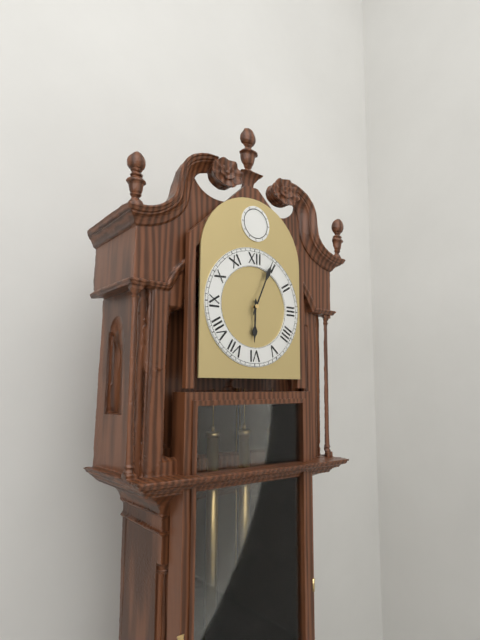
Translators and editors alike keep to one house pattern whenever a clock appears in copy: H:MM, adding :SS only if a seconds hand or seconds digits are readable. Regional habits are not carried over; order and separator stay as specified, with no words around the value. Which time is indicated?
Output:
6:04
